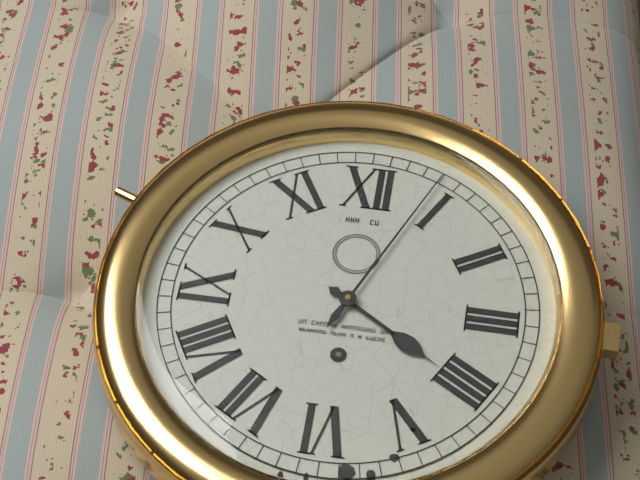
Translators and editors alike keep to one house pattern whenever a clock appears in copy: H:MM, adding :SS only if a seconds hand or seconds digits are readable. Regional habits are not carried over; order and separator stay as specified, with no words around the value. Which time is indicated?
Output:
4:04
